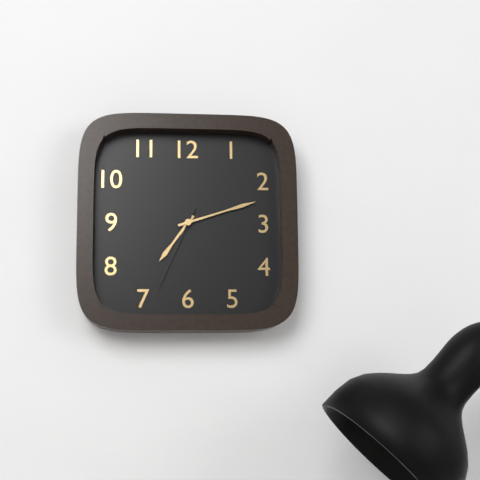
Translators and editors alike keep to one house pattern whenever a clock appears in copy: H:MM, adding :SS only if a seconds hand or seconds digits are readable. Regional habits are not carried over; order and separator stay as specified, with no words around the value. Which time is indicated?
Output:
7:12:34
